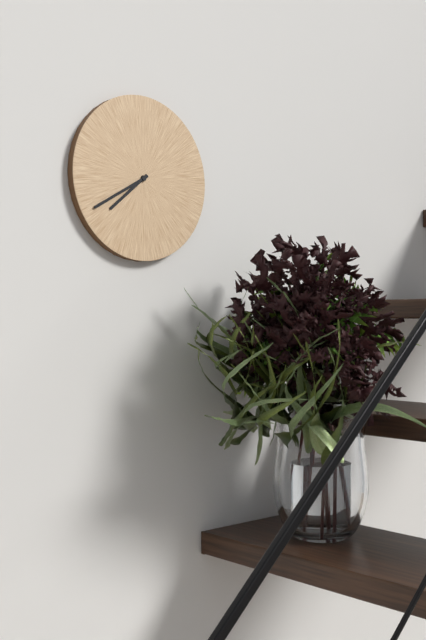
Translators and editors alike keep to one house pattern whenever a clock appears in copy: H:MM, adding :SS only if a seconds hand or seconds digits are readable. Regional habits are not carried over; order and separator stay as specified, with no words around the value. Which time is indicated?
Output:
7:40
